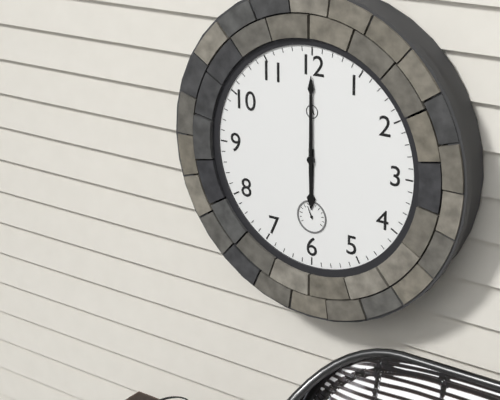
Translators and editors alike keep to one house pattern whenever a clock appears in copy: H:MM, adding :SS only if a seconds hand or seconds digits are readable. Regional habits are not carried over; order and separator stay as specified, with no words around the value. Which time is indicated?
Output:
6:00
